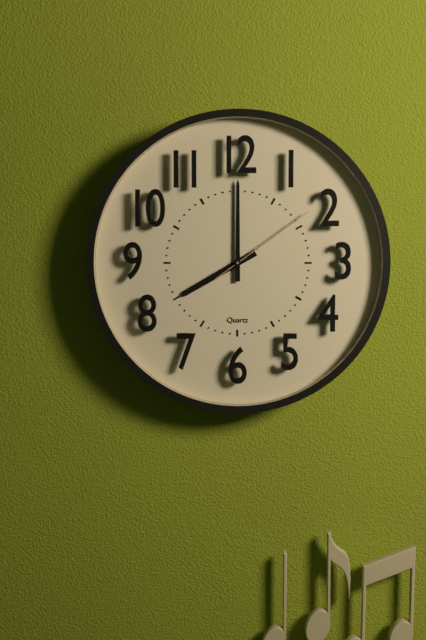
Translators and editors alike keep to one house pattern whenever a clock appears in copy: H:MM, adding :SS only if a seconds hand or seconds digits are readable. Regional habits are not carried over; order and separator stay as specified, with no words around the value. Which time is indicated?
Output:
8:00:09
